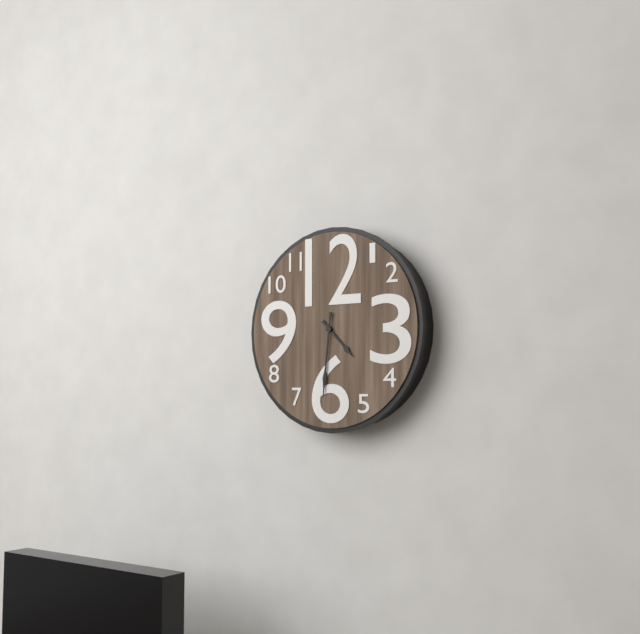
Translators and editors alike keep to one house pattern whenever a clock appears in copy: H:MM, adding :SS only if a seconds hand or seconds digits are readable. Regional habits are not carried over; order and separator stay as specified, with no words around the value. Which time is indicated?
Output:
4:31
